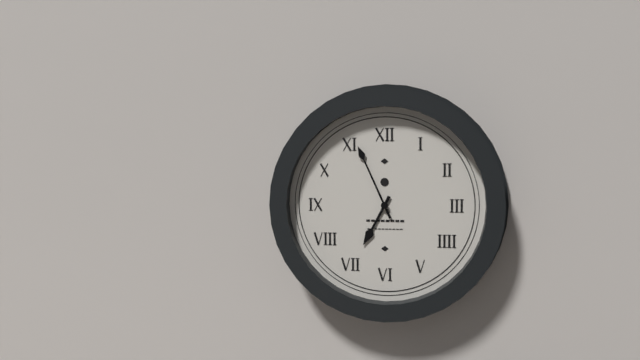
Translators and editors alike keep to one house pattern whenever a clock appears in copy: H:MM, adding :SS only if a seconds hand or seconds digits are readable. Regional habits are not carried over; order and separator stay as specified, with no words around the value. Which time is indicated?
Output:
6:56
